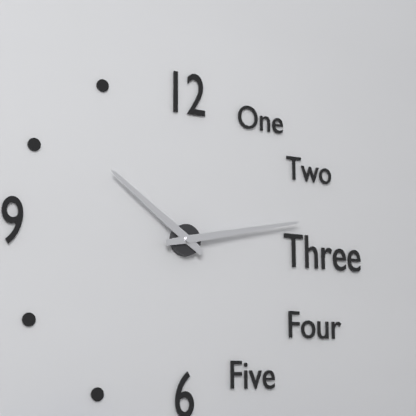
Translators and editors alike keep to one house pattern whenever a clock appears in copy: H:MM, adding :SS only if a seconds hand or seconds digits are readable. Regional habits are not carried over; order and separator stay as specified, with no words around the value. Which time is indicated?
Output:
10:13
